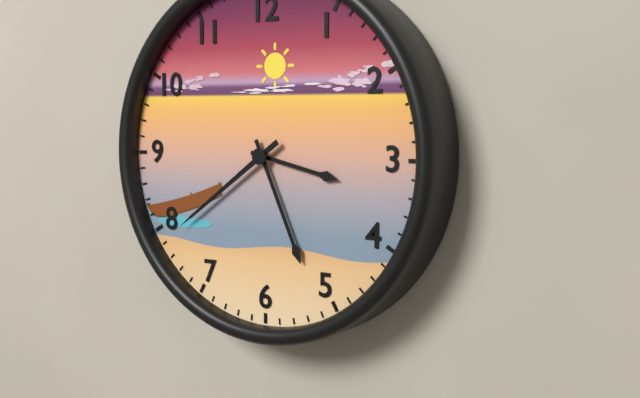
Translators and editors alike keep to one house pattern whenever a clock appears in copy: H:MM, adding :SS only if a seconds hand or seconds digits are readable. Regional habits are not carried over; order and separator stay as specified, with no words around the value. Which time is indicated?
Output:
3:26:39
